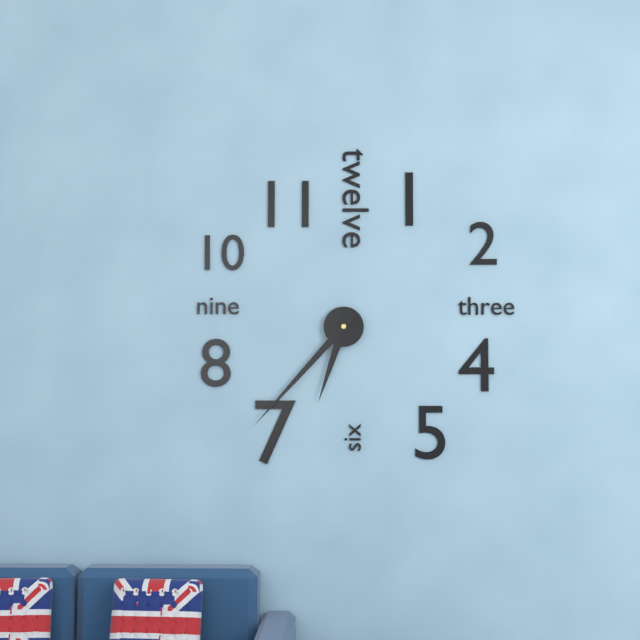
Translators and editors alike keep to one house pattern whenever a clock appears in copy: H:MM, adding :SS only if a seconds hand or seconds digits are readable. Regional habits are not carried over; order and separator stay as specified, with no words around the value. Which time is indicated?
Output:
6:37
